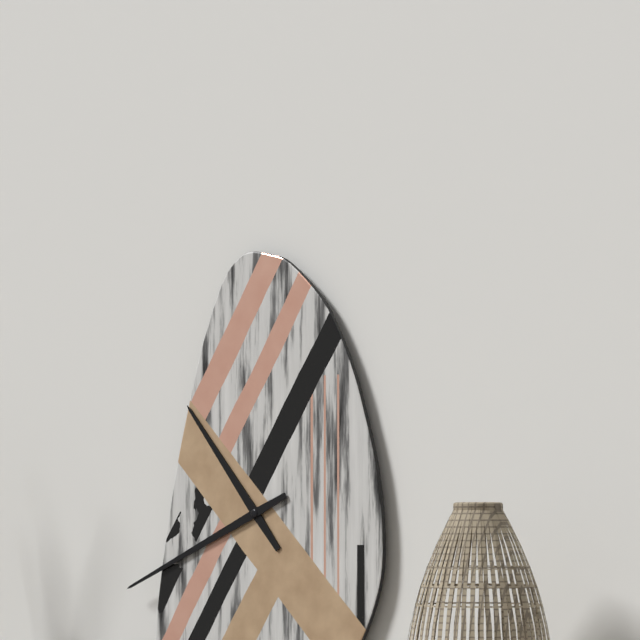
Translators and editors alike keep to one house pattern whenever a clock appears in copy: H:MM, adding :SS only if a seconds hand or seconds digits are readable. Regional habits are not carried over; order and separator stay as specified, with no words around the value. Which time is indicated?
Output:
10:41
